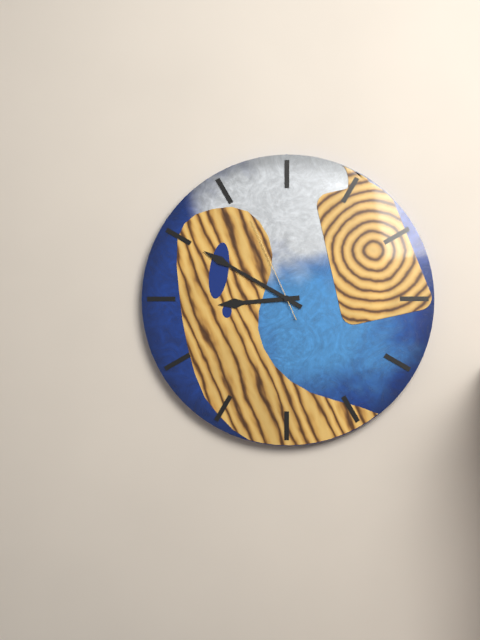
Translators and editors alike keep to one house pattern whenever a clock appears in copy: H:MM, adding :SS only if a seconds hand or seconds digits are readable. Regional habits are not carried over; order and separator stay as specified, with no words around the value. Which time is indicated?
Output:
8:50:56
